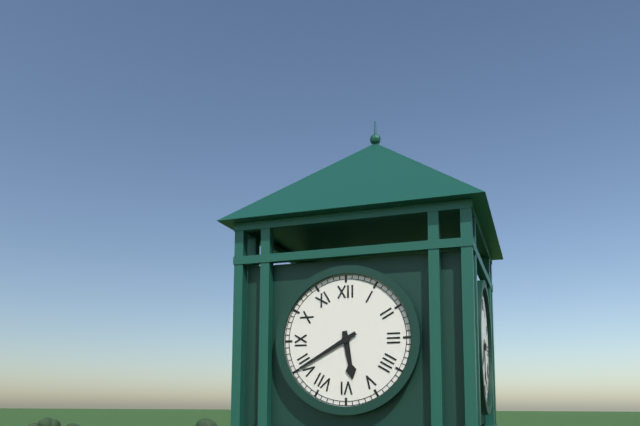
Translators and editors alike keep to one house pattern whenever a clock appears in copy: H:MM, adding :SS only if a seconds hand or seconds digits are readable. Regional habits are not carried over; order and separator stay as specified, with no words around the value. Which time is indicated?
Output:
5:40
